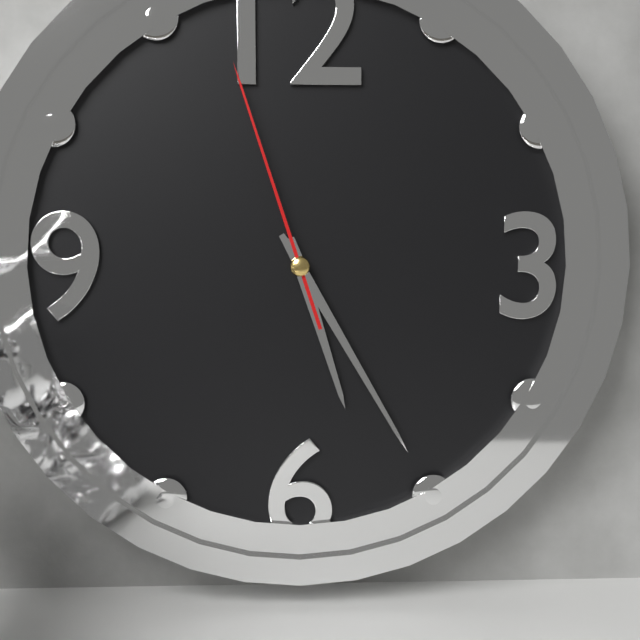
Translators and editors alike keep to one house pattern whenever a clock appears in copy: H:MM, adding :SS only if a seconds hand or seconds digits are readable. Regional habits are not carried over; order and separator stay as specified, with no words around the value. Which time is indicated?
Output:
5:25:57
